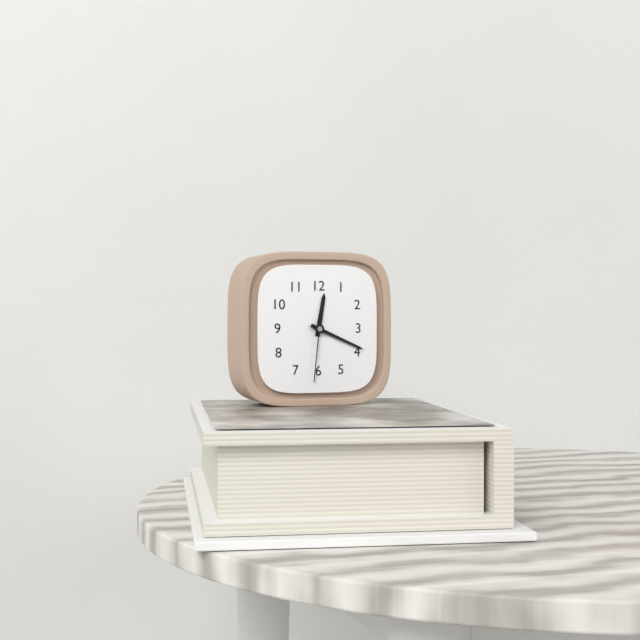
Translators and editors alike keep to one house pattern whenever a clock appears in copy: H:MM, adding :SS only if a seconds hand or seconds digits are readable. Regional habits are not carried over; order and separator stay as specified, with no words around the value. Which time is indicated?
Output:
12:19:31
